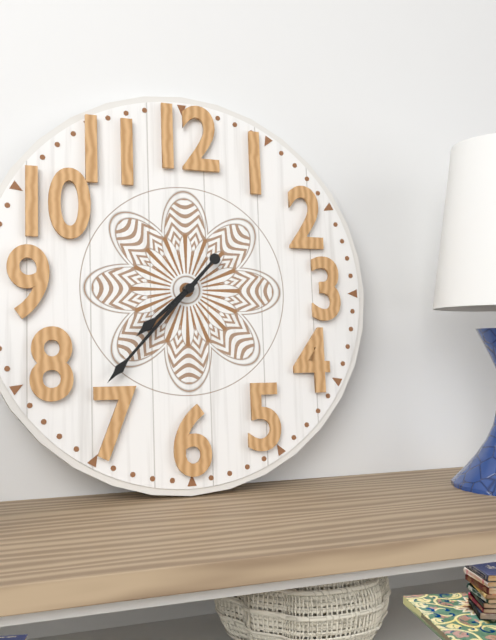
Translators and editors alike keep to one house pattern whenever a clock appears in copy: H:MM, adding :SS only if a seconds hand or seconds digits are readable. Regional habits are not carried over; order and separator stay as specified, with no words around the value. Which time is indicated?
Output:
7:37
